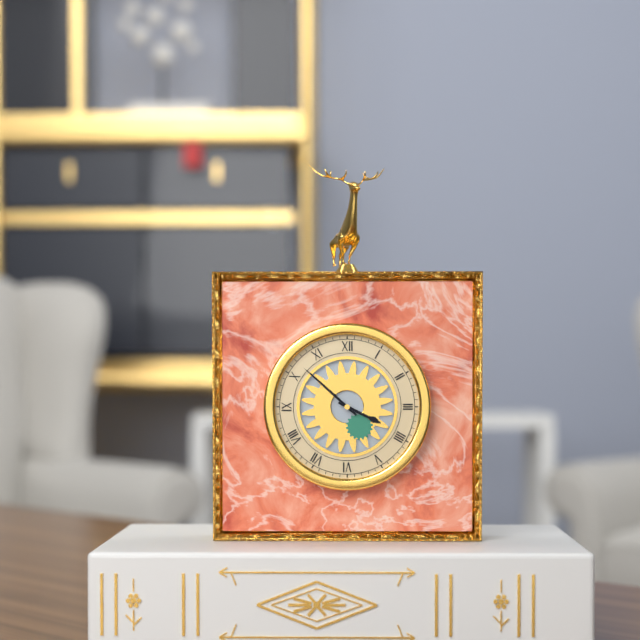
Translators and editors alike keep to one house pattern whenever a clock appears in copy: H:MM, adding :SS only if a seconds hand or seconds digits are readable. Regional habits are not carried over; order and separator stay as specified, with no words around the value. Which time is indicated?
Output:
3:52
